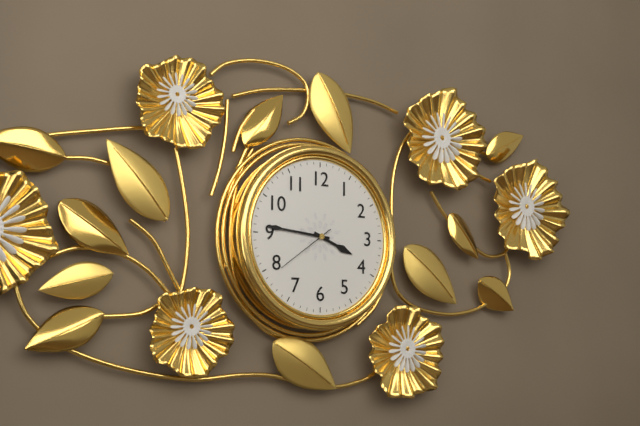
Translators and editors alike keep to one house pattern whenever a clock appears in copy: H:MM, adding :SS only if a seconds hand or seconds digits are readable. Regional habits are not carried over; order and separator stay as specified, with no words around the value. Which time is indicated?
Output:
3:46:39
